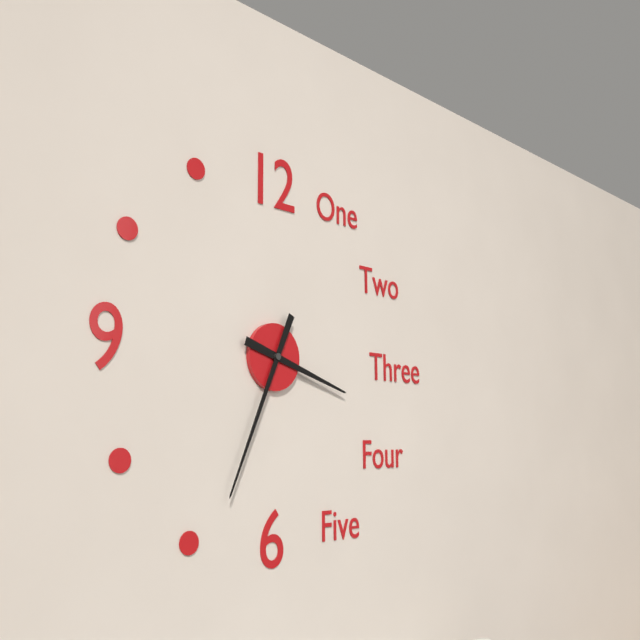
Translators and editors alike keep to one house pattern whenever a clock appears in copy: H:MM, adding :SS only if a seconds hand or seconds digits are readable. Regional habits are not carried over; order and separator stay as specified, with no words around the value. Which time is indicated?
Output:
3:34
